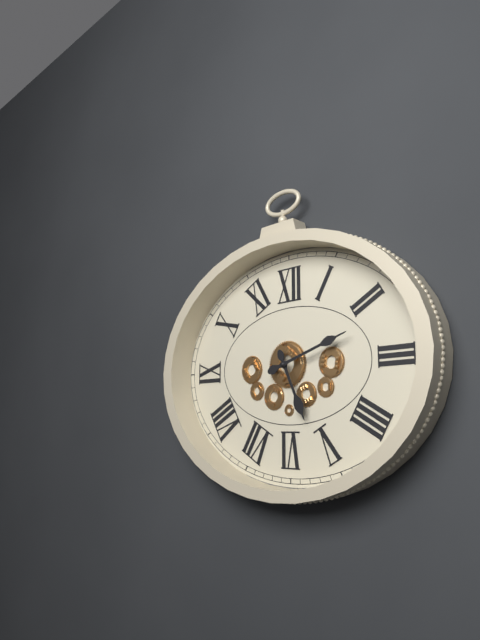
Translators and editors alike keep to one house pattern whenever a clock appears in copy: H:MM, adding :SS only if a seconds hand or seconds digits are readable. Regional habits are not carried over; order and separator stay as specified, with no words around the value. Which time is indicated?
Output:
5:12
